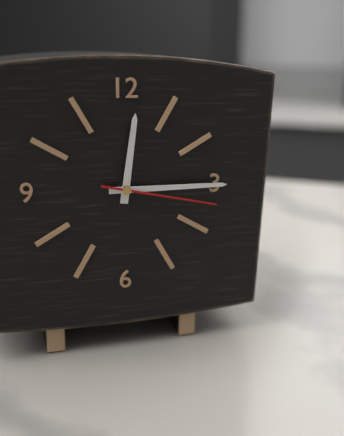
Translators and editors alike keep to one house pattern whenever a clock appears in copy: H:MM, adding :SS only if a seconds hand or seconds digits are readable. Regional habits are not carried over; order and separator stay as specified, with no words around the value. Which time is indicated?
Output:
12:15:17
